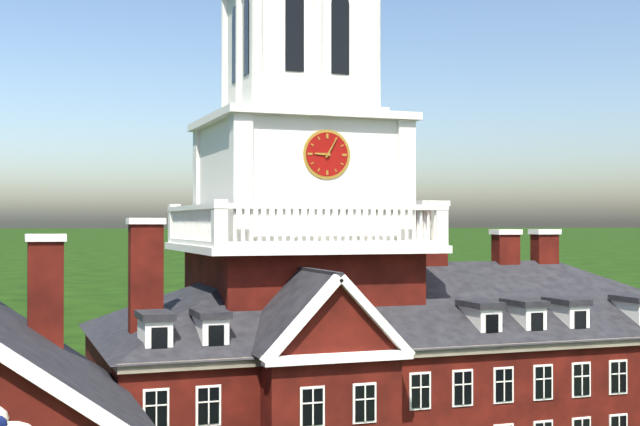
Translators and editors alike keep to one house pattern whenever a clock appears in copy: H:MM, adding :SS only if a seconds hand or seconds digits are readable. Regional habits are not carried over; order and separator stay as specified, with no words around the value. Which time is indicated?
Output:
9:05
